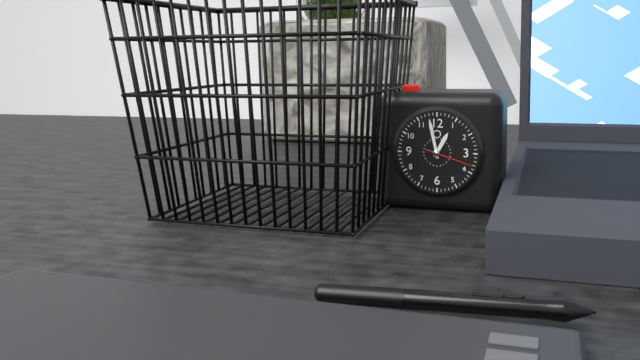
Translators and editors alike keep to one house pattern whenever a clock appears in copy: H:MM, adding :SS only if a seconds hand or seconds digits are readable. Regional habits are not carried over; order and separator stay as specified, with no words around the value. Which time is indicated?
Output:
12:58
